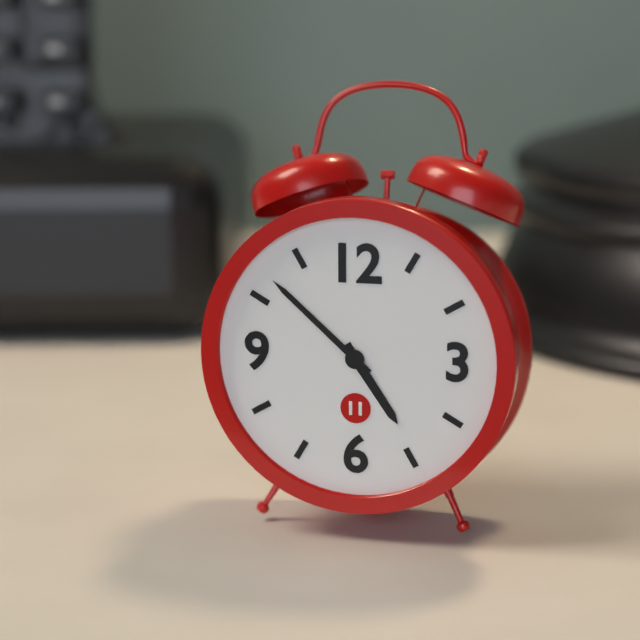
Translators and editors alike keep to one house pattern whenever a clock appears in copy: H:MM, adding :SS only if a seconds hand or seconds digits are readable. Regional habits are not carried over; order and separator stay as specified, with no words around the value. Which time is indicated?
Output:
4:52
